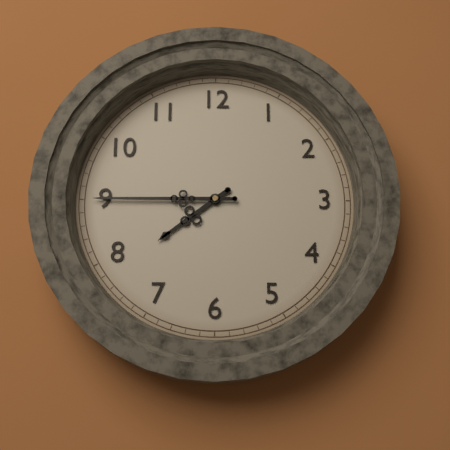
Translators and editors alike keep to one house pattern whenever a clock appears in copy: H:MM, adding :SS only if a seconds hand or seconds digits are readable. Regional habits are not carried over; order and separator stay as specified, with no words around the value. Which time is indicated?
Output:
7:45
